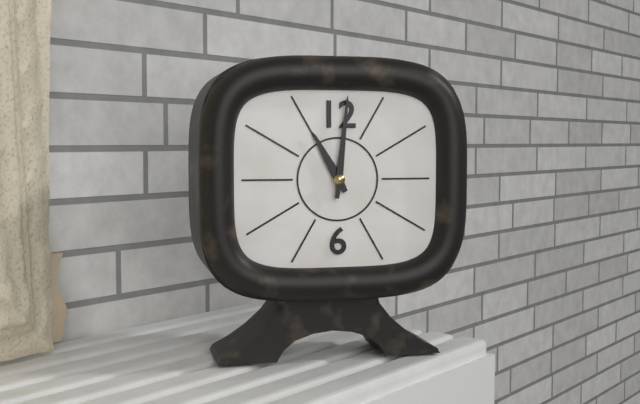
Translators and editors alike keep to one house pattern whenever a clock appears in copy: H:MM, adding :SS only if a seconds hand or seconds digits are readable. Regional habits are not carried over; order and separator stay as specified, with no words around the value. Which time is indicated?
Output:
11:01
